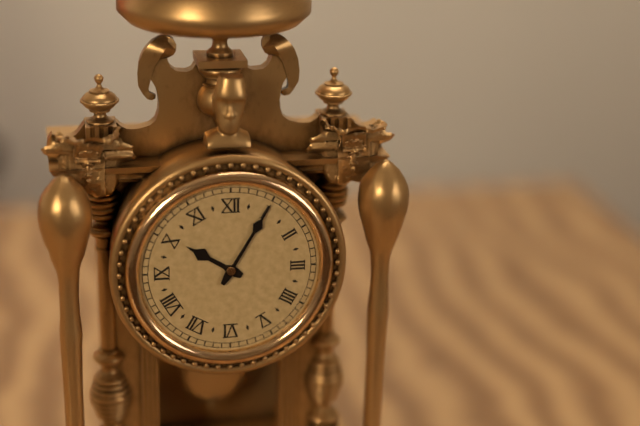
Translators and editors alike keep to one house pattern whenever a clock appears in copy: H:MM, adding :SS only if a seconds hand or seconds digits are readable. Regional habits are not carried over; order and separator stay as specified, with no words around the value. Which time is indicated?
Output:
10:05
